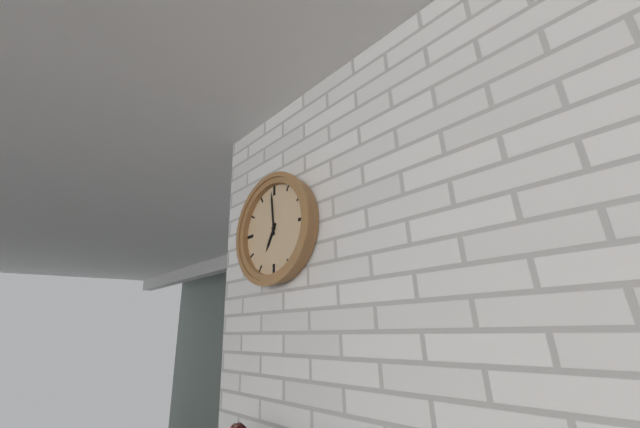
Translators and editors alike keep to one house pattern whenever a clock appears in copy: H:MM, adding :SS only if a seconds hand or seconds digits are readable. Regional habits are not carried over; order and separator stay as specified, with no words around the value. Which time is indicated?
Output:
6:59
